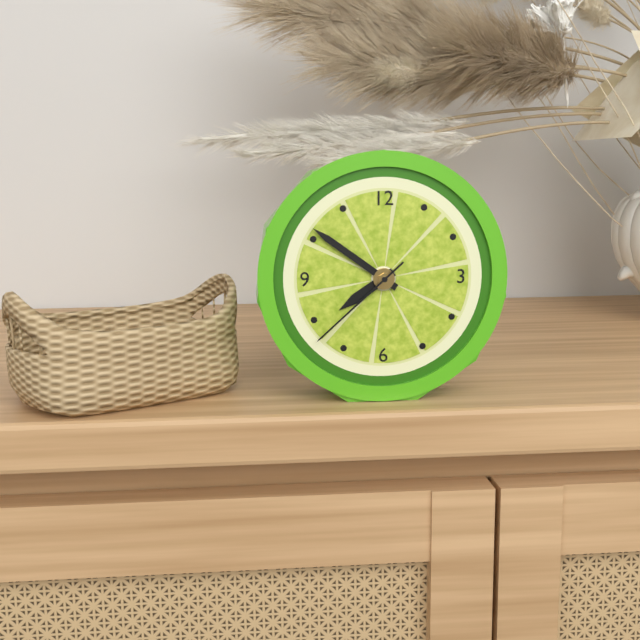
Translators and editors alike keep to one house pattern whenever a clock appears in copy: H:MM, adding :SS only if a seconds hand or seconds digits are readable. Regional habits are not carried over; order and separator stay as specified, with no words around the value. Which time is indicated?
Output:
7:51:38
